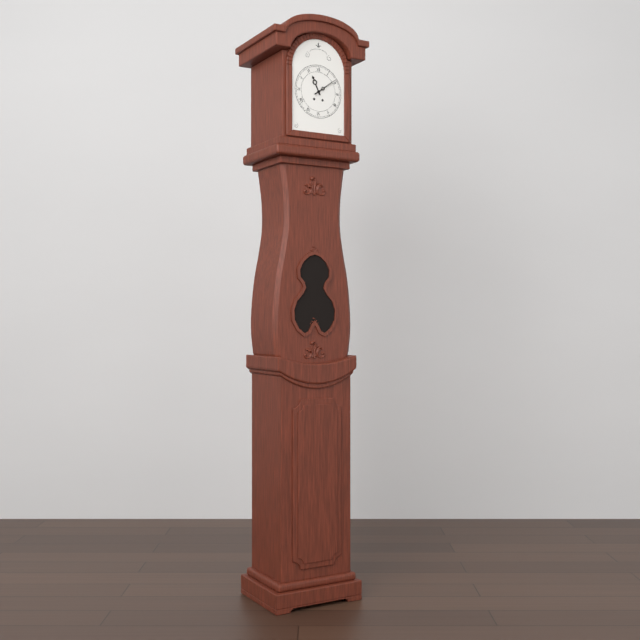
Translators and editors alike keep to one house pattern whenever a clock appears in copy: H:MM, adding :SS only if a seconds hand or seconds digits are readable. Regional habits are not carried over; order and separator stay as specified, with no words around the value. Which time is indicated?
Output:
11:09
